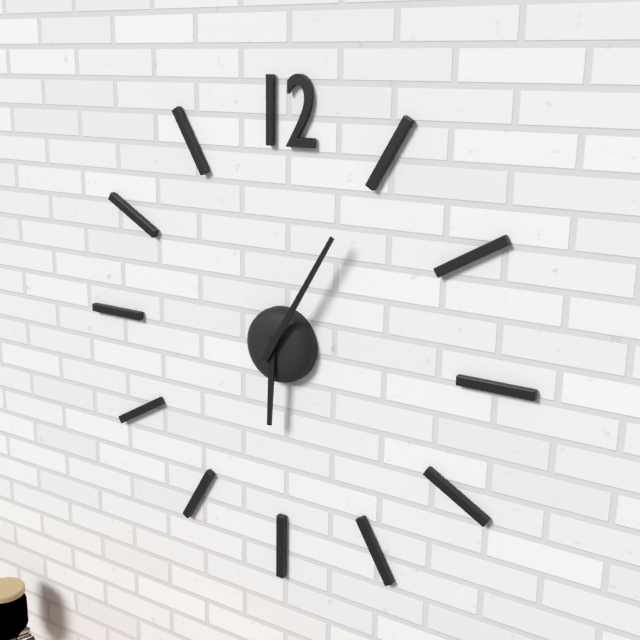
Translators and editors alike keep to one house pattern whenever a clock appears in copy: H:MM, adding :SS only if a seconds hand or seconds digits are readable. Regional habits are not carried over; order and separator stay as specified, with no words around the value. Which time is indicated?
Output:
6:05
